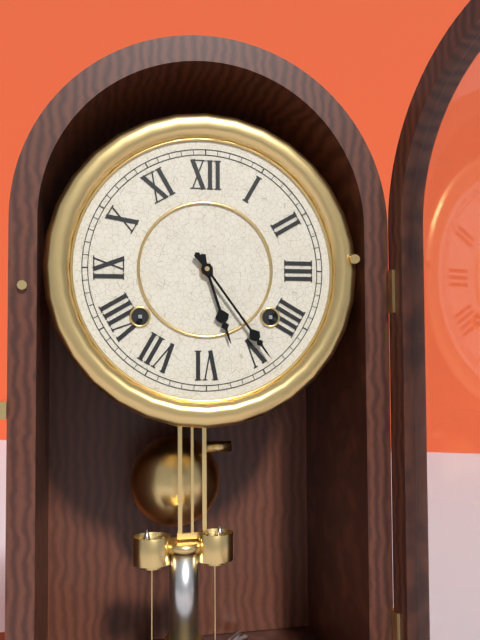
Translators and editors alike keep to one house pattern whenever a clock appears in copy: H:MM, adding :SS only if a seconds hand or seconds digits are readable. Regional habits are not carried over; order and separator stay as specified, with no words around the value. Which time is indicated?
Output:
5:24
